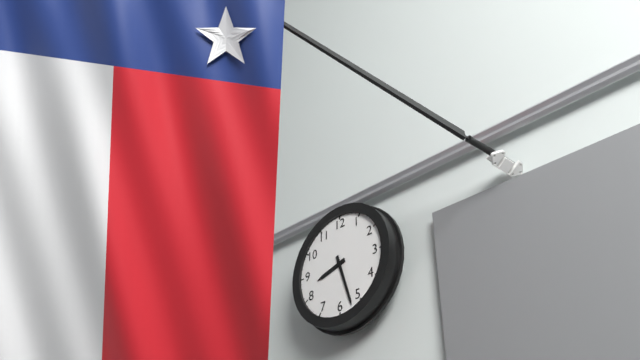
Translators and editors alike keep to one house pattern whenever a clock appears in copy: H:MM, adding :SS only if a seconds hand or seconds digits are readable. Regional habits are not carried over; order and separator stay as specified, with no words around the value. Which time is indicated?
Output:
8:27
